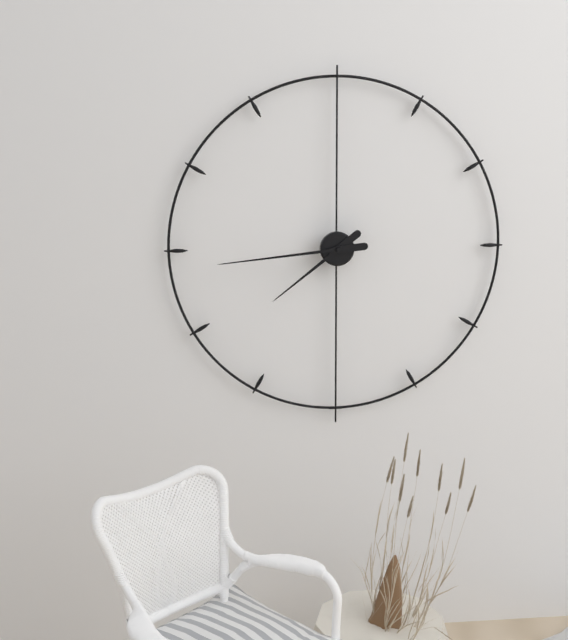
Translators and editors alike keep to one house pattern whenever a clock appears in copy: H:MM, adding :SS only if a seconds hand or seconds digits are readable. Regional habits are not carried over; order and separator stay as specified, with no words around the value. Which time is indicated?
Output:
7:44
